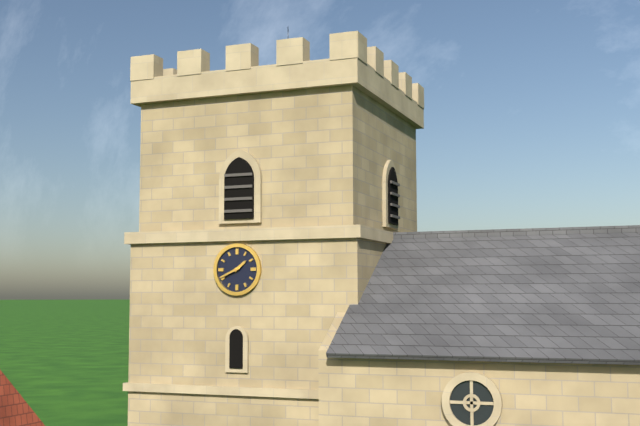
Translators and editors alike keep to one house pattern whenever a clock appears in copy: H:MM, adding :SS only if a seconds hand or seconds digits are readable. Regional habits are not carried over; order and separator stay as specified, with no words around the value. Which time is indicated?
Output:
1:41
